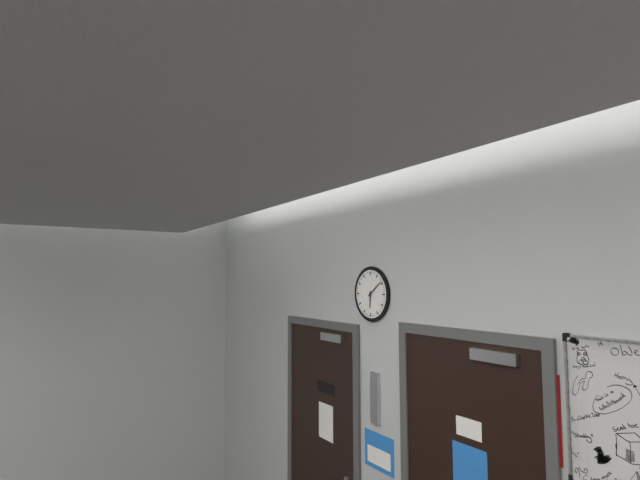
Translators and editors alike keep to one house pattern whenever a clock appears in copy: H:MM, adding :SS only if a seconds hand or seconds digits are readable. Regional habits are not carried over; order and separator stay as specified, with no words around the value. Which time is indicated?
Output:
6:09
